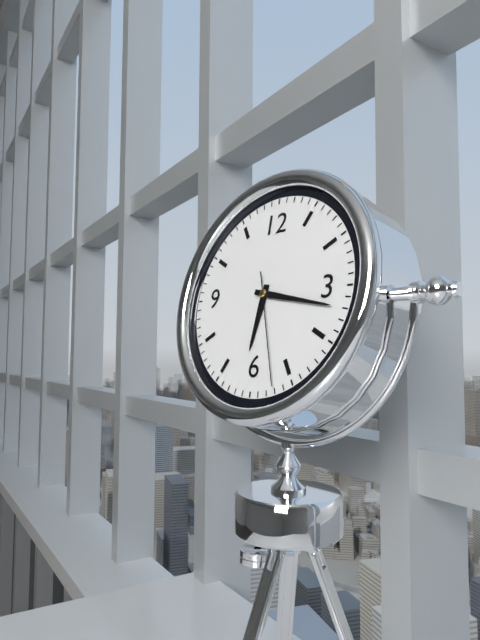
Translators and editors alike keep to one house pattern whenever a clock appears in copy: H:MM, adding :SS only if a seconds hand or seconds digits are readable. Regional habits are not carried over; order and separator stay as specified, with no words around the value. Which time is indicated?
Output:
6:17:27
